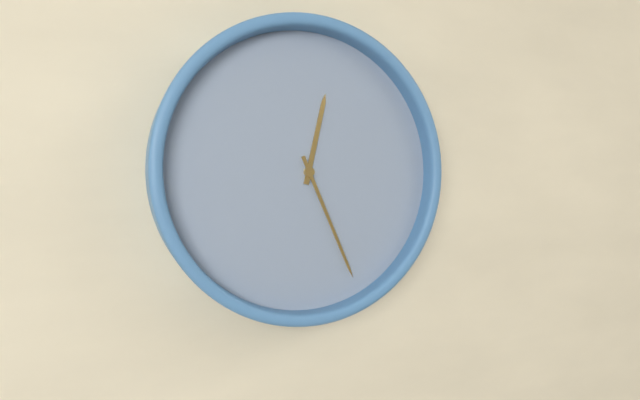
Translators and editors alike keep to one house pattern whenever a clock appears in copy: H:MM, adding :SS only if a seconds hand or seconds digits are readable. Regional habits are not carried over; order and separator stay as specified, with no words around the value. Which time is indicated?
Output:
12:26
